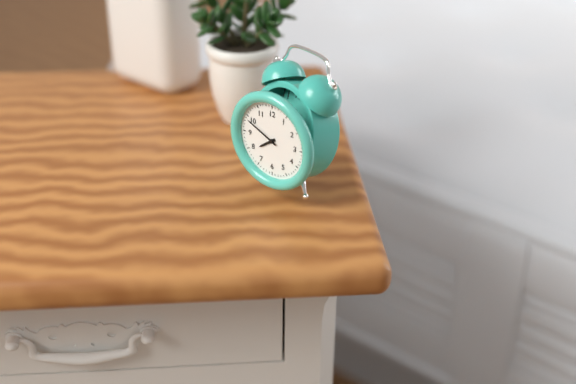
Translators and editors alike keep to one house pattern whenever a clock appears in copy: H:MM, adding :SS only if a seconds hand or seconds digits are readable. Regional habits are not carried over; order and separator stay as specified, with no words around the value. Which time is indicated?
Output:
7:49
